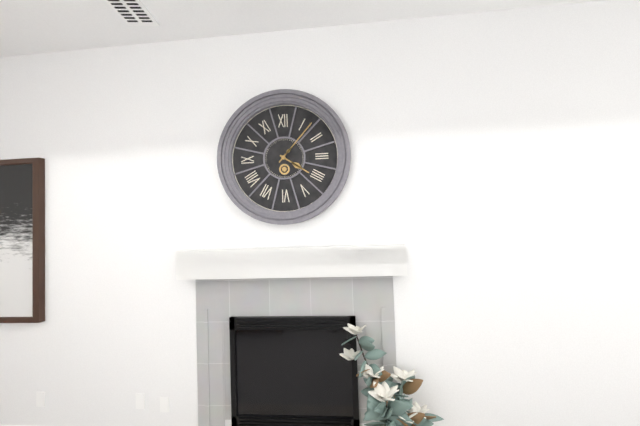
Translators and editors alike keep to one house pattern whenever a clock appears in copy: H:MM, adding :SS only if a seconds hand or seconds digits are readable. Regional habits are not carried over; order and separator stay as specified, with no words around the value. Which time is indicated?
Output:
4:07
